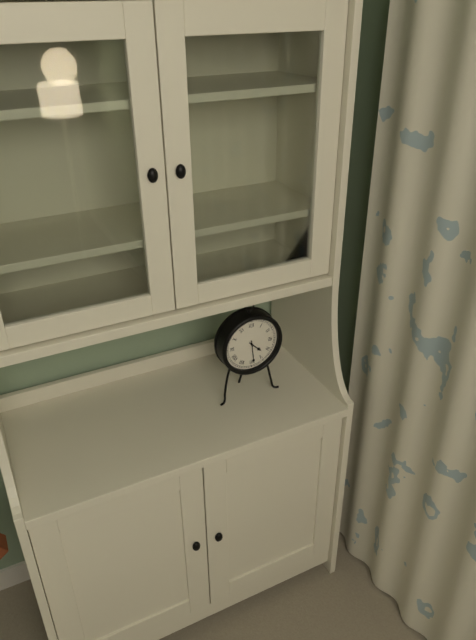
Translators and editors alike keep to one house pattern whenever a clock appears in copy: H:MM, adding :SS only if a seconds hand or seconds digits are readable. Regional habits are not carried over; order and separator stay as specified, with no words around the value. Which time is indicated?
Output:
4:29
